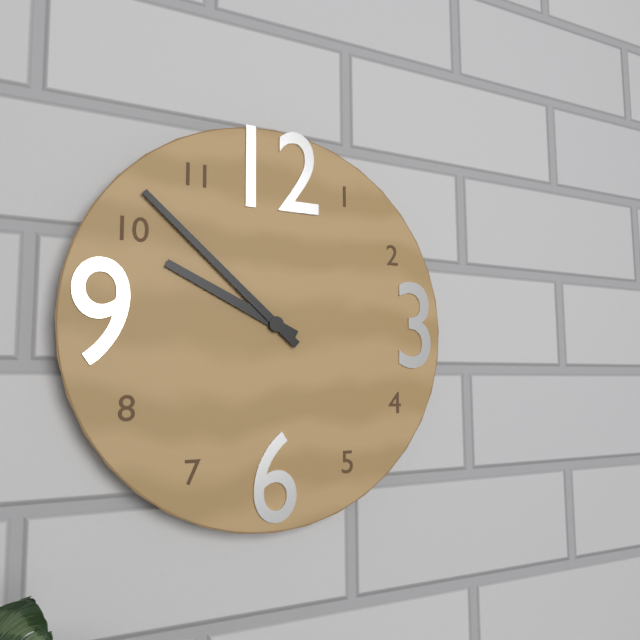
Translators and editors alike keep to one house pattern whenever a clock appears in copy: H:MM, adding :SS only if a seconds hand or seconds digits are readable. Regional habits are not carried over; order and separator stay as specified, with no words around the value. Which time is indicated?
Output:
9:52
